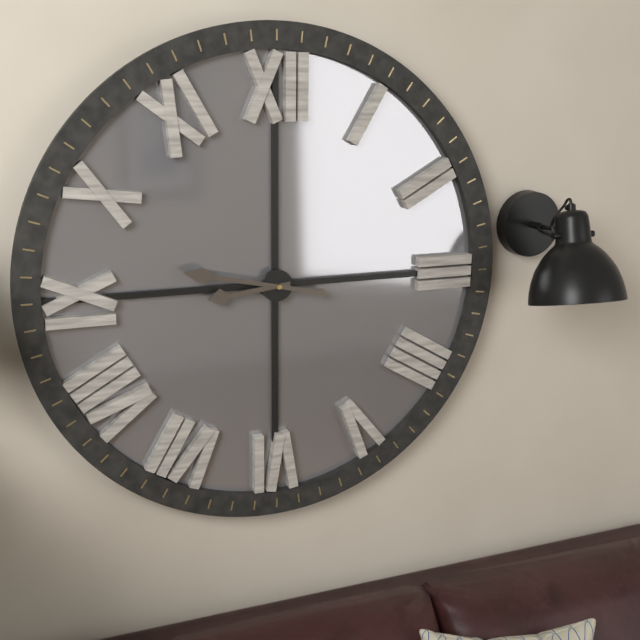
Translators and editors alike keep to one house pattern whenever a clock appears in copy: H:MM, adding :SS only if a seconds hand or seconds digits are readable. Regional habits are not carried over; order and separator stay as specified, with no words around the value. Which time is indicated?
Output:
8:47
